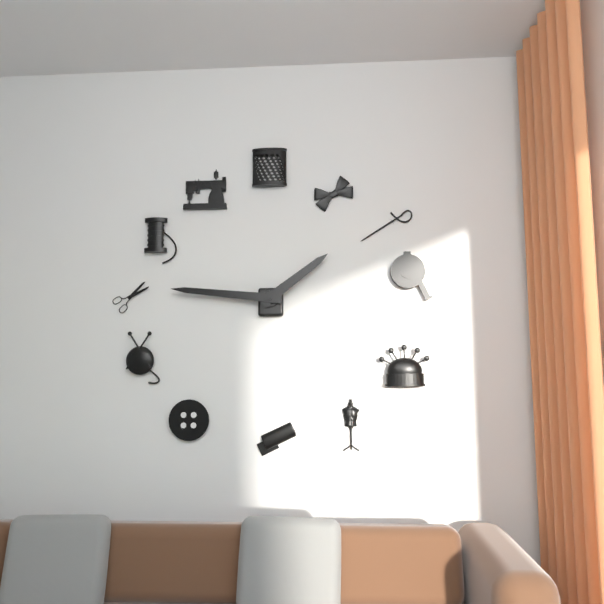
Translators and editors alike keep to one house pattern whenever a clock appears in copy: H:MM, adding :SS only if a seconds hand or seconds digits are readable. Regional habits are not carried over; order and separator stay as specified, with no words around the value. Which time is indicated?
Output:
1:46
